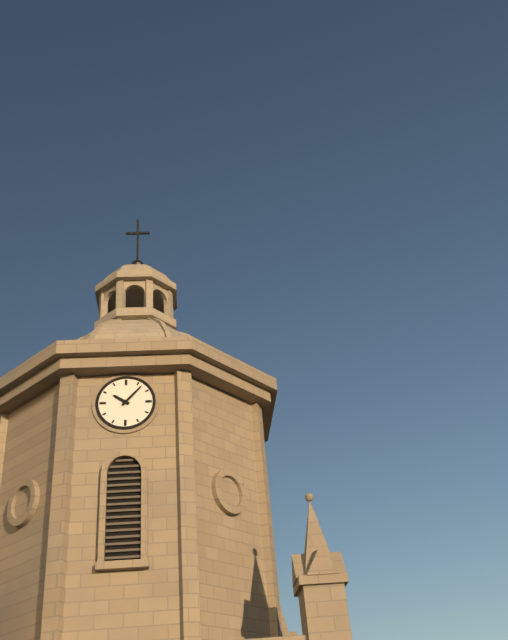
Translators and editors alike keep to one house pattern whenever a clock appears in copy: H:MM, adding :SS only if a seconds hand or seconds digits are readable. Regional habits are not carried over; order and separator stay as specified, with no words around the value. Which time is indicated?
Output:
10:07
